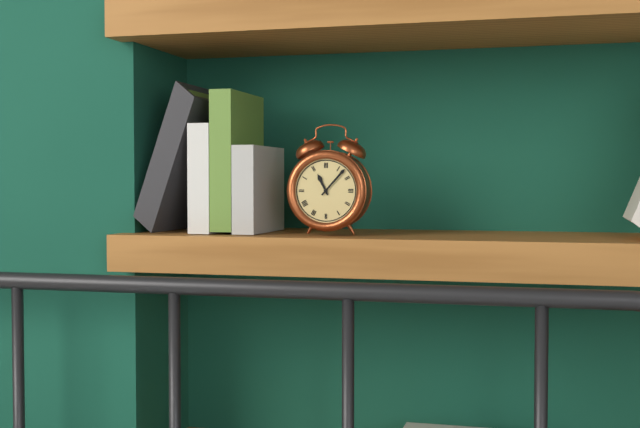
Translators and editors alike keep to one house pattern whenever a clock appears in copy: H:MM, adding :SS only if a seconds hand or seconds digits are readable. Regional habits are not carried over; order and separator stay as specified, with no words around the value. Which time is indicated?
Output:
11:07
